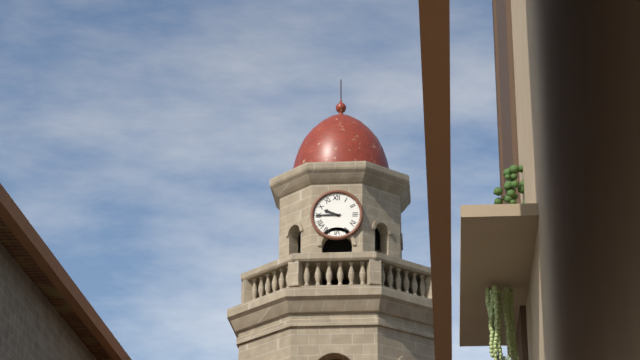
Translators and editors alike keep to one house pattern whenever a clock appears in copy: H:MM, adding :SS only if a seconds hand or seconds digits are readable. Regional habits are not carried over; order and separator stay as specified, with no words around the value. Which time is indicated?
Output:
9:45
